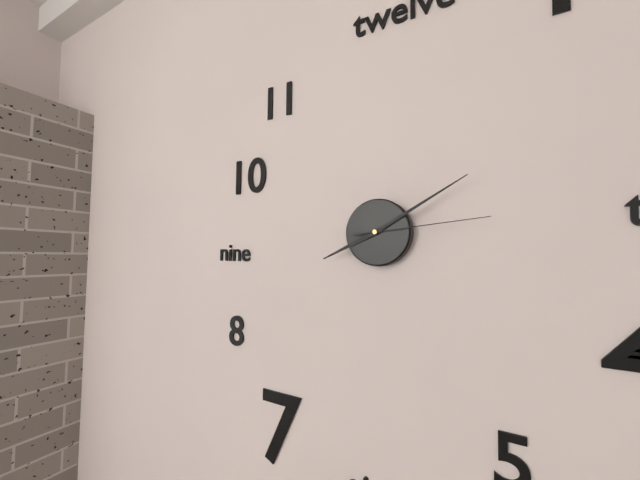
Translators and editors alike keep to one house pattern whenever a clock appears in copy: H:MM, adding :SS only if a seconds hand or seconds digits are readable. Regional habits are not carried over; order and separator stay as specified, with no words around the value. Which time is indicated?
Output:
8:10:14
